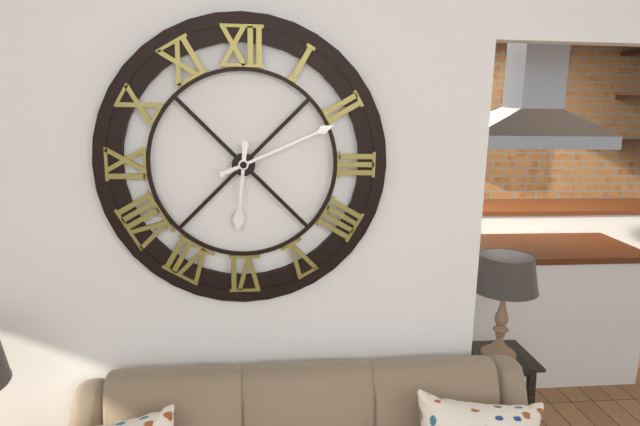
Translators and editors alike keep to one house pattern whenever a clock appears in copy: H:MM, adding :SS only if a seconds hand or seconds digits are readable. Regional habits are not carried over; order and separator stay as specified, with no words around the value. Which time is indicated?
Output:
6:11
